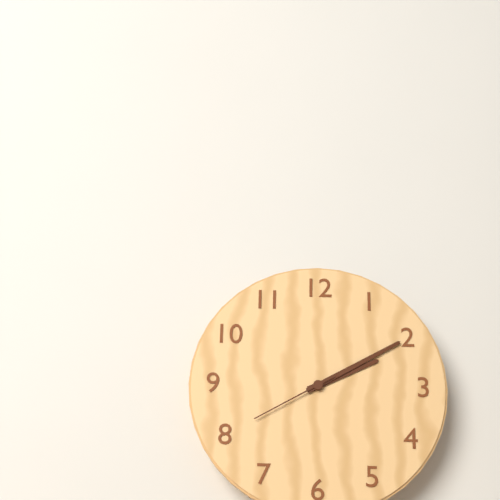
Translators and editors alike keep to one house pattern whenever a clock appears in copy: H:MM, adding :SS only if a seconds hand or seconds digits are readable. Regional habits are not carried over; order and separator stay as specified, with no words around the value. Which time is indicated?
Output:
2:10:40
